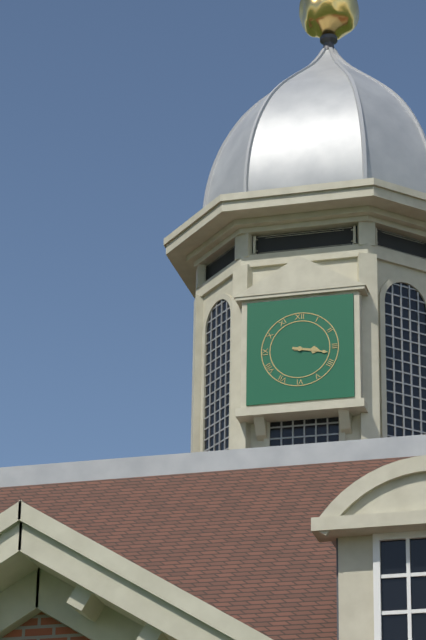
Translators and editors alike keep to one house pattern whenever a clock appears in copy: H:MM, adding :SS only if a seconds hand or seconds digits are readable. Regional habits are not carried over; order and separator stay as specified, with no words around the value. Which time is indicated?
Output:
3:17
